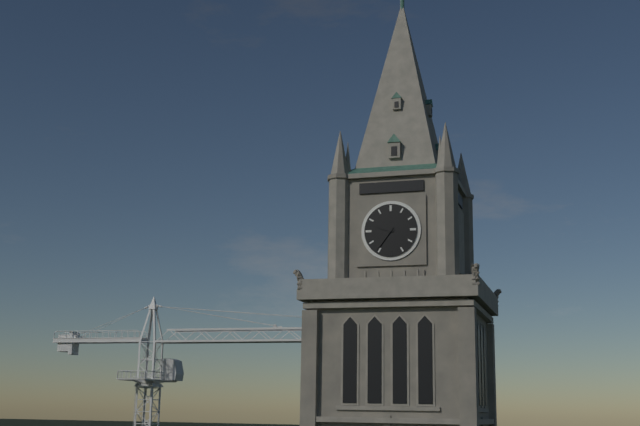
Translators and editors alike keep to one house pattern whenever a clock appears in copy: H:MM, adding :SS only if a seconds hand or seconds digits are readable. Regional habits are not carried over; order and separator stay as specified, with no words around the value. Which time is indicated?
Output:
9:36
